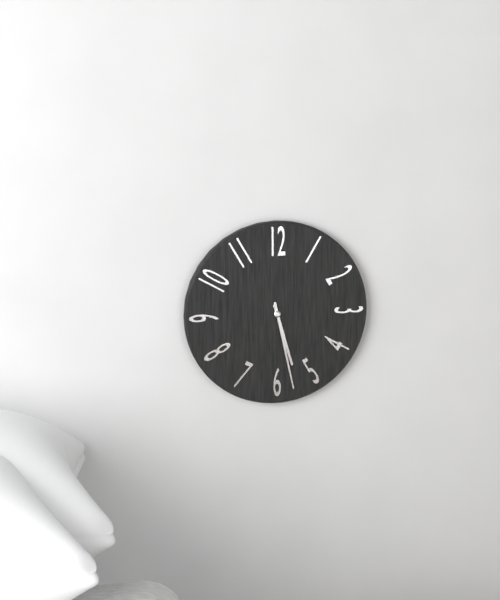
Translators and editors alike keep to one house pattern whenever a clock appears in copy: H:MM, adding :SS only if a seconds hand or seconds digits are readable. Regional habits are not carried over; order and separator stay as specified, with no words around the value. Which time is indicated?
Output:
5:28
